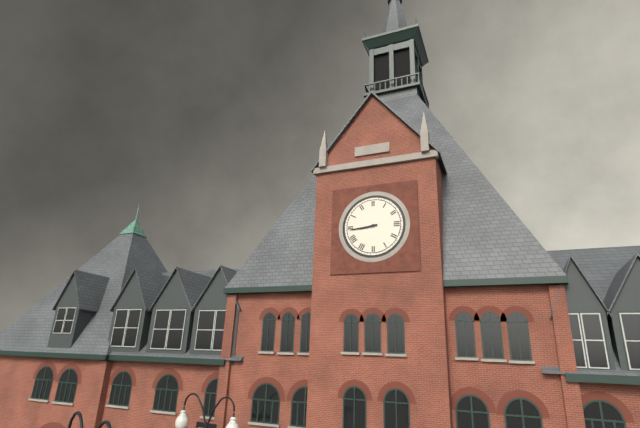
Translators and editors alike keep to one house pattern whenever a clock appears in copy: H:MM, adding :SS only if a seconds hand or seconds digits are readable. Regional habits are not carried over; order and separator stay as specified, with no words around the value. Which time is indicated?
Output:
8:44
